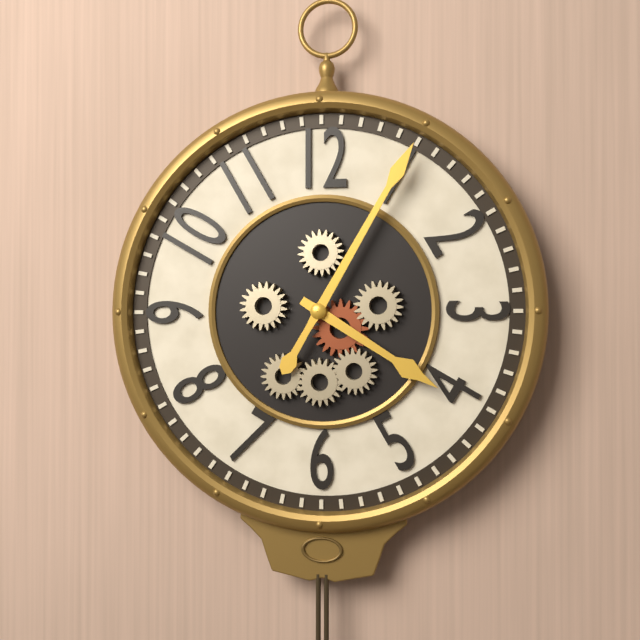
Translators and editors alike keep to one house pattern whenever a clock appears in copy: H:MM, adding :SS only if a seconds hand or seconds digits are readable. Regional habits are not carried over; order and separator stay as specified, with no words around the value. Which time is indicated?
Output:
4:05
